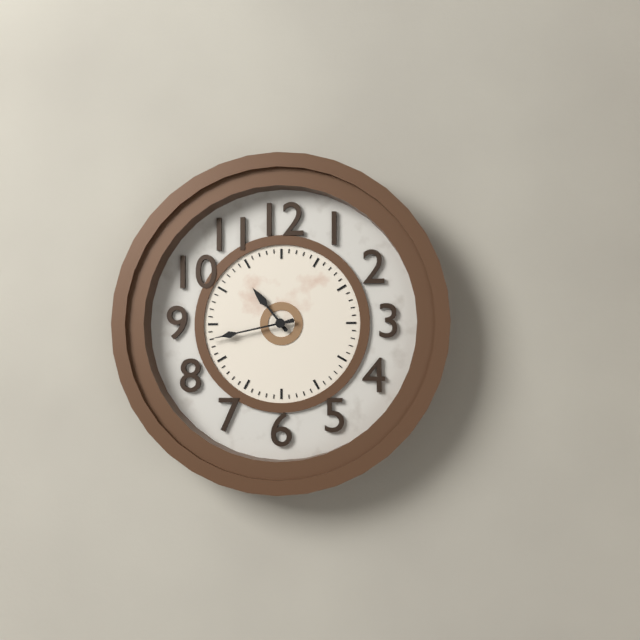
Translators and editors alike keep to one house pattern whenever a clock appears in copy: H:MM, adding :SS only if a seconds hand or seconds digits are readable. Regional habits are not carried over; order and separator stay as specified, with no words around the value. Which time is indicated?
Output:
10:43
